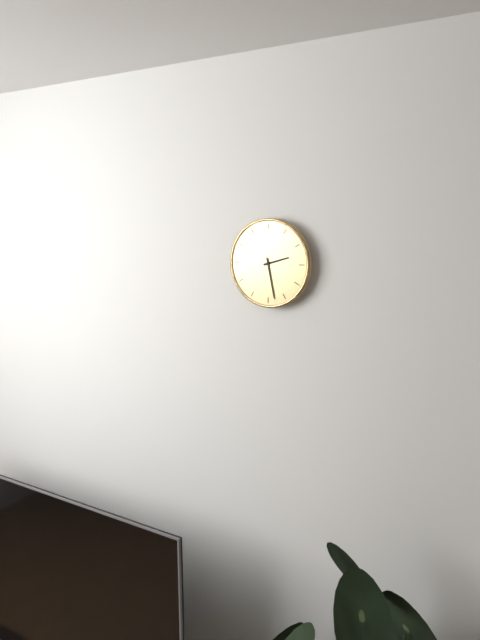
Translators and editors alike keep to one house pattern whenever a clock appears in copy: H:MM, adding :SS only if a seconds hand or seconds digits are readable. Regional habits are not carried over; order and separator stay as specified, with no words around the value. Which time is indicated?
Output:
2:28
